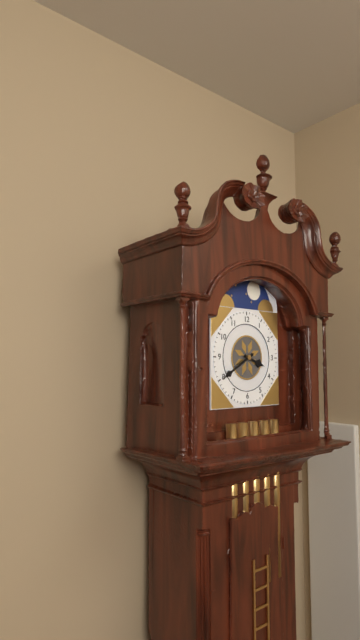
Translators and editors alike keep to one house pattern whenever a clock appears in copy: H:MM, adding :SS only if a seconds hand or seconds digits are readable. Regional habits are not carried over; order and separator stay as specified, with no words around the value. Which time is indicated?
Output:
3:40
